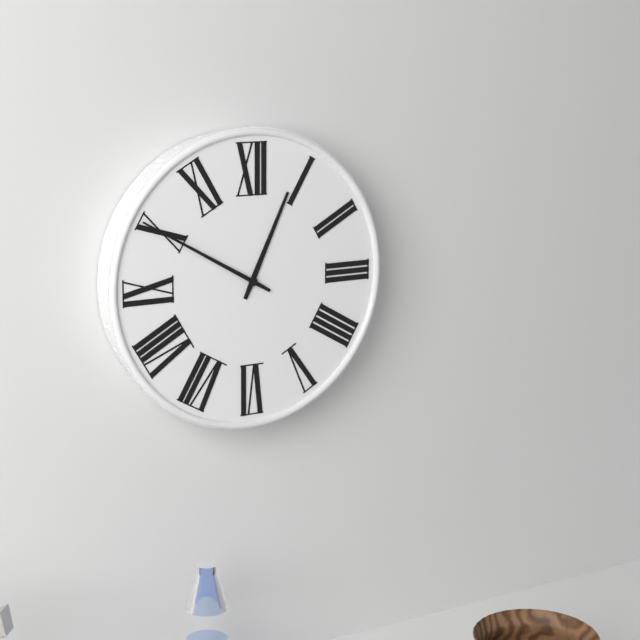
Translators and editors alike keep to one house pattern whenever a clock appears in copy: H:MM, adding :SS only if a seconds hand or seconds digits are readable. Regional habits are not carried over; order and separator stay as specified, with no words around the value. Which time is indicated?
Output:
12:50
